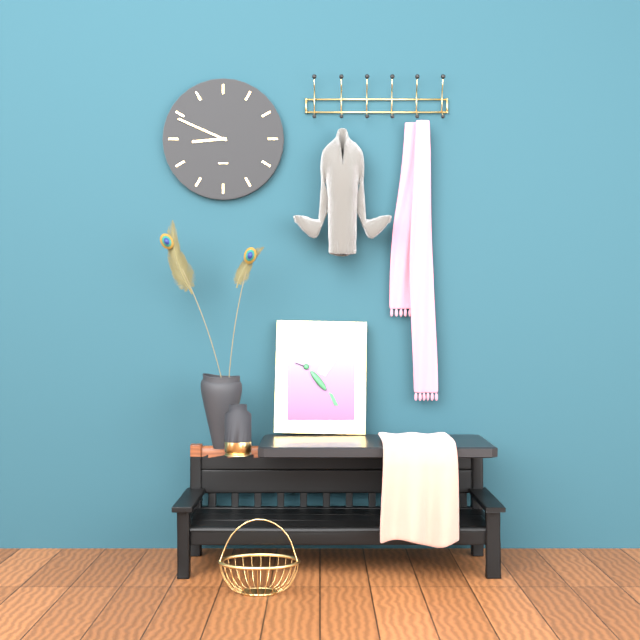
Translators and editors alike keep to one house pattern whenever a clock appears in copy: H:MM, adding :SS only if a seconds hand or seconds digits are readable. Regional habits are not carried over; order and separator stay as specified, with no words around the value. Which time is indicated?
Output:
8:49
